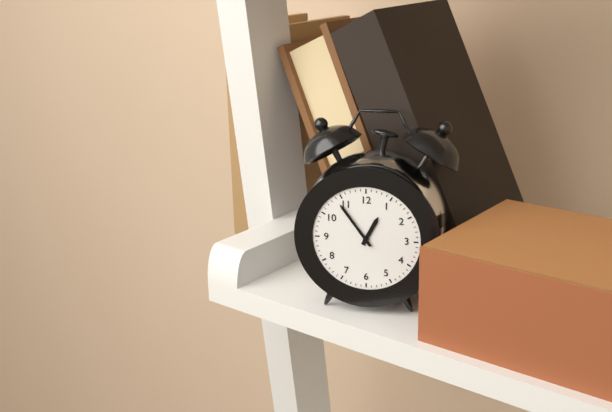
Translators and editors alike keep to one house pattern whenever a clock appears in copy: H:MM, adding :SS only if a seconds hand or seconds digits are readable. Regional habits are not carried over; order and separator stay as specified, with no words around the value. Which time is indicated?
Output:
12:54
